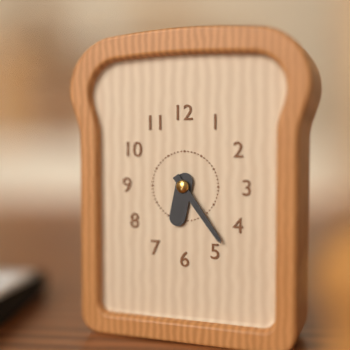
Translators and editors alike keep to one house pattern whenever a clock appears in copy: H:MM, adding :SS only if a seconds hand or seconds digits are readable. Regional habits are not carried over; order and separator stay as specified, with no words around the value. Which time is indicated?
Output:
6:24
